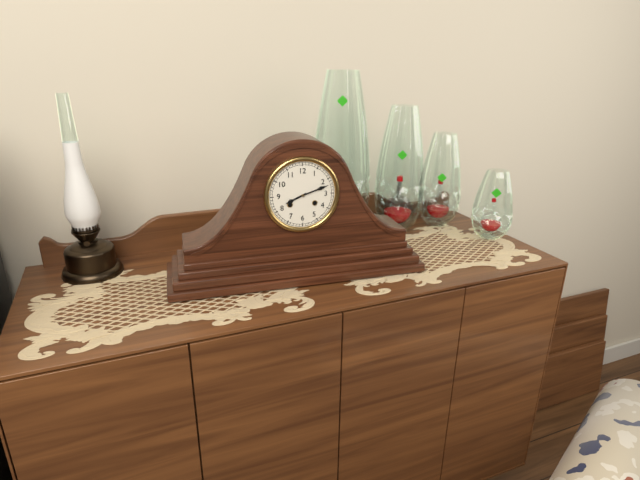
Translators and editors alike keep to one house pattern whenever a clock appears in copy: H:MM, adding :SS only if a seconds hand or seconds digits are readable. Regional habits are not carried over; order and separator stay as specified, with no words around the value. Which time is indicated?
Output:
8:12
